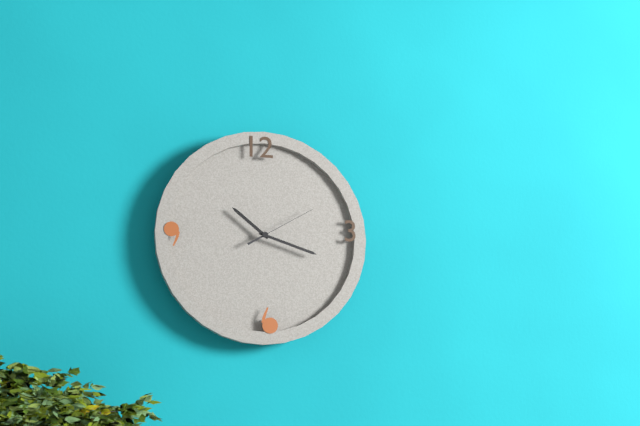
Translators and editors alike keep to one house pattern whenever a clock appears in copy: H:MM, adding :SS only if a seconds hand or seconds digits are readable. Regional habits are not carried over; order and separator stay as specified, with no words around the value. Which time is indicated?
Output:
10:18:10
